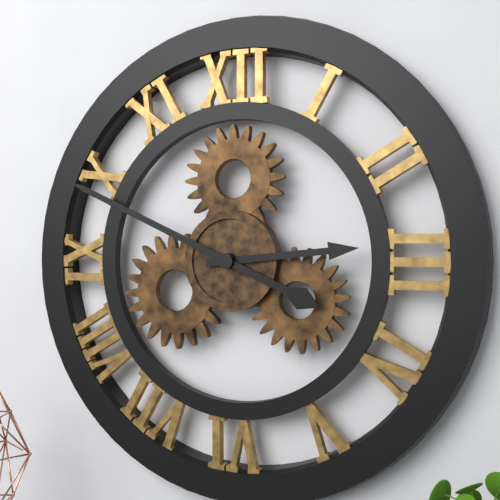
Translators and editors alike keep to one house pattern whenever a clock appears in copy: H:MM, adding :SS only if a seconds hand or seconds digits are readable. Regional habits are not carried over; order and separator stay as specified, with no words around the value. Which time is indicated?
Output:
2:49
